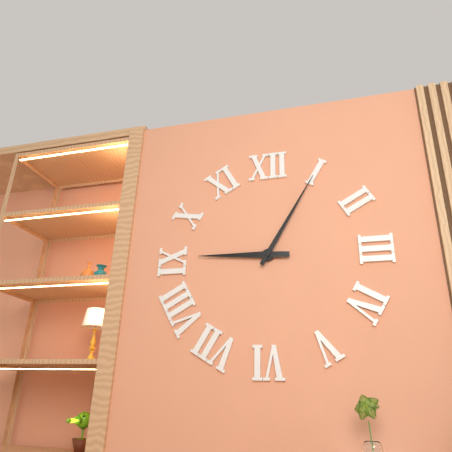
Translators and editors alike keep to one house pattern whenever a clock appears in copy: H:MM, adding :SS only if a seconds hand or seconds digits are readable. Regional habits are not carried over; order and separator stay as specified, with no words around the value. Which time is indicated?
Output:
9:05
